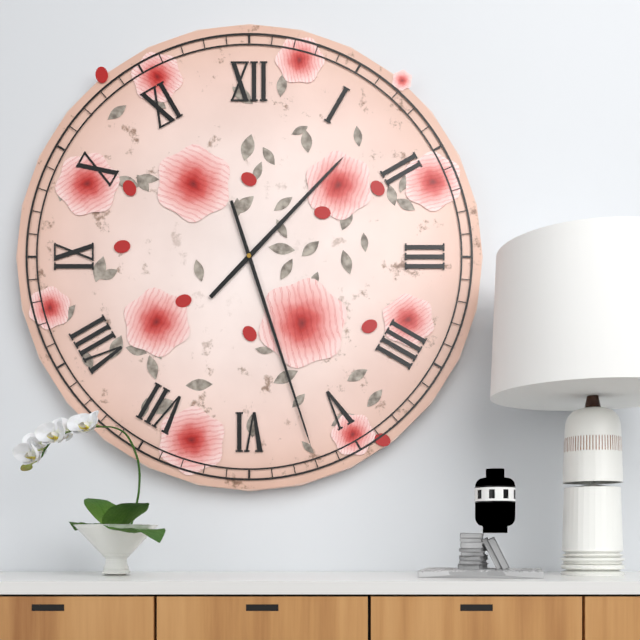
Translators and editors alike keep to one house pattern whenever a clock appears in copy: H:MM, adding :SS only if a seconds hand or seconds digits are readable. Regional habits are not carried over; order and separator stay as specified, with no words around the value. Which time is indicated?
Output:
1:27
